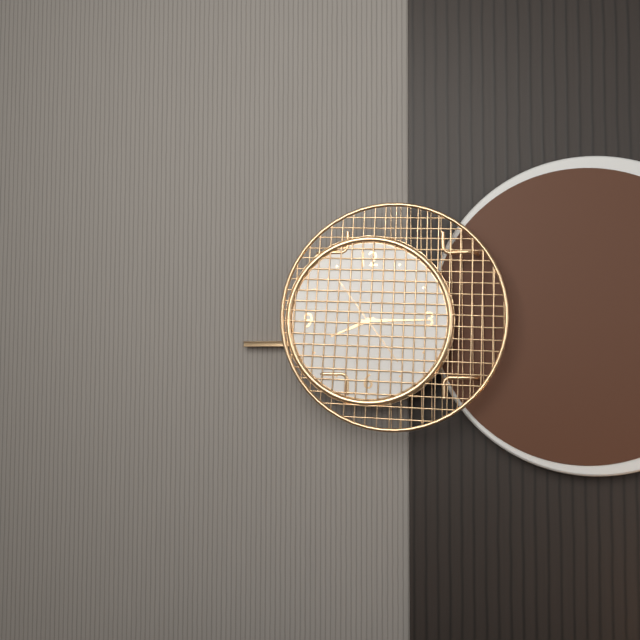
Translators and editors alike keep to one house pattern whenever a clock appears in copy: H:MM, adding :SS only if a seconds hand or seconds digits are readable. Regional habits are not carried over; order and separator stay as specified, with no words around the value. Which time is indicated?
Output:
8:15:24
